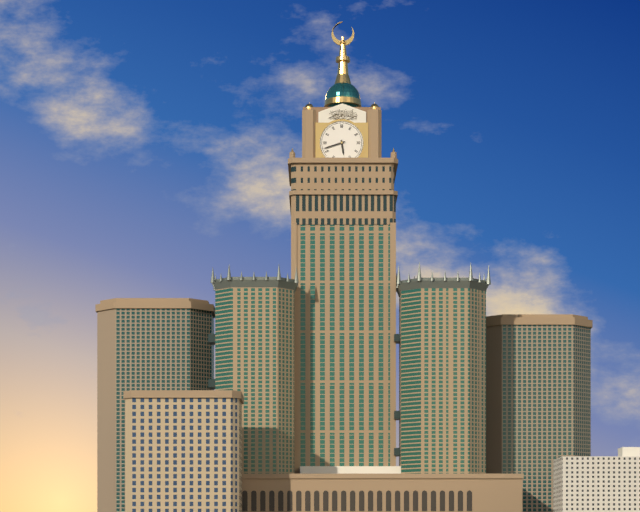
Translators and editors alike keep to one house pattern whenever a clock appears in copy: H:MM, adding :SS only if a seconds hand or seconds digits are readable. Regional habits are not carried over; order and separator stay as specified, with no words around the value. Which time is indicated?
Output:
5:42
